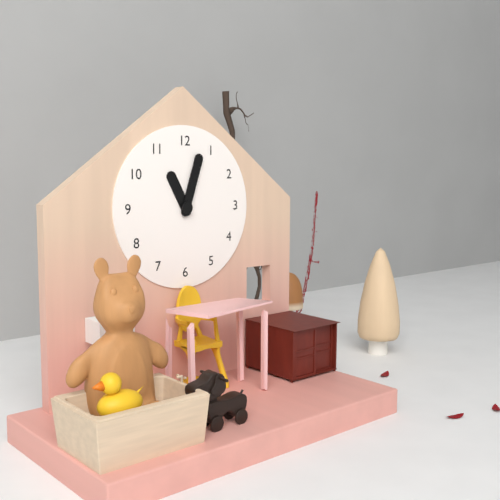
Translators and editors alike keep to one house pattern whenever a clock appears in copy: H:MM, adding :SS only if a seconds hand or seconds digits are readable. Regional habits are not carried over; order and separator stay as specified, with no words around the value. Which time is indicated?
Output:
11:03
